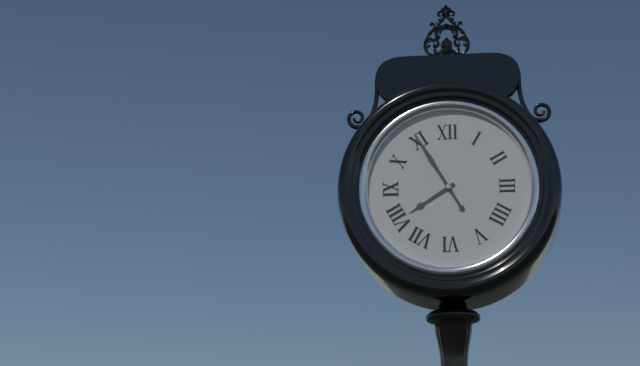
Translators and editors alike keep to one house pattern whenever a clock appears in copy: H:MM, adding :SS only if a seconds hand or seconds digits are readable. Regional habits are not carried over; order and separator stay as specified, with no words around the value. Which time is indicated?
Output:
7:55
